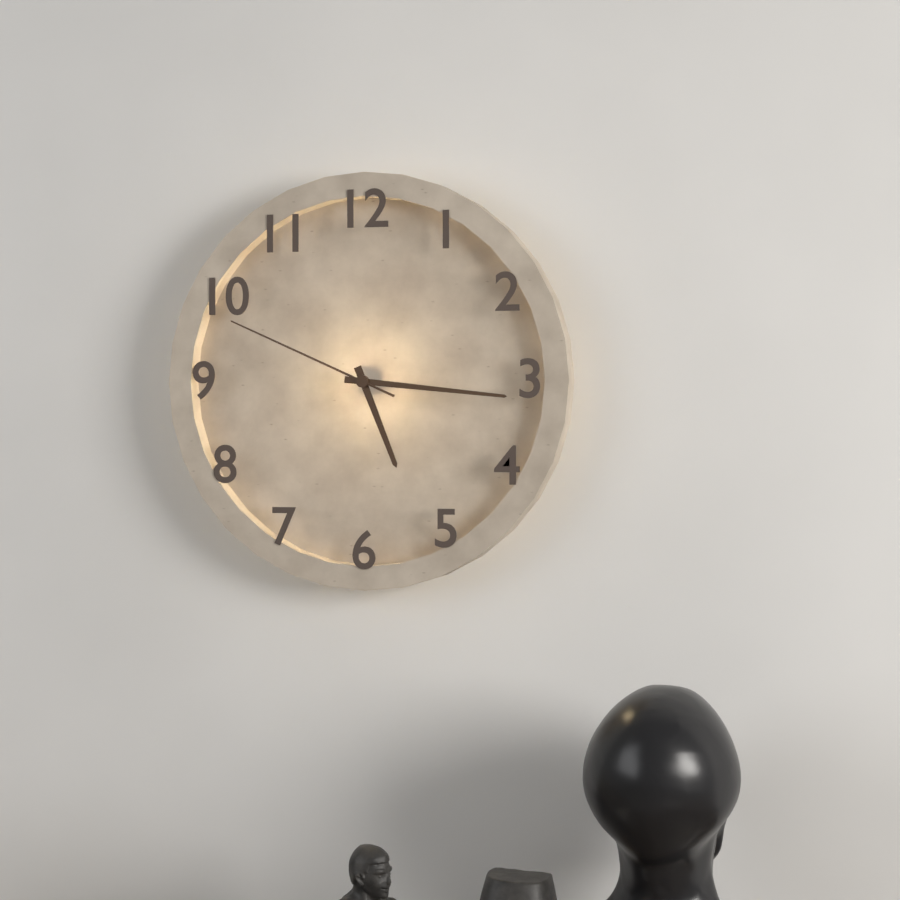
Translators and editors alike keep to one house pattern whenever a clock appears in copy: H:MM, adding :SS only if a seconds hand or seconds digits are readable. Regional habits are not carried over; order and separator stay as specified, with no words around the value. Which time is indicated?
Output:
5:16:49
